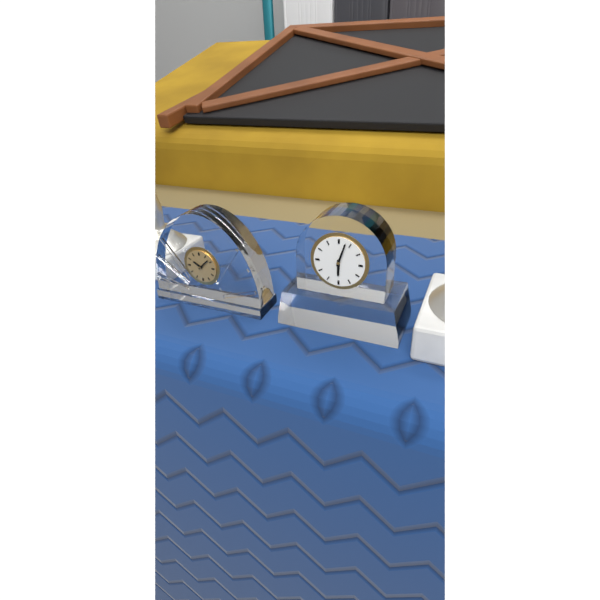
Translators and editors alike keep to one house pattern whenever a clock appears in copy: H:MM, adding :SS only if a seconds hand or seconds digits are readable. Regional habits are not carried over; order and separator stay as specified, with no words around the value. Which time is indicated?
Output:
6:03
